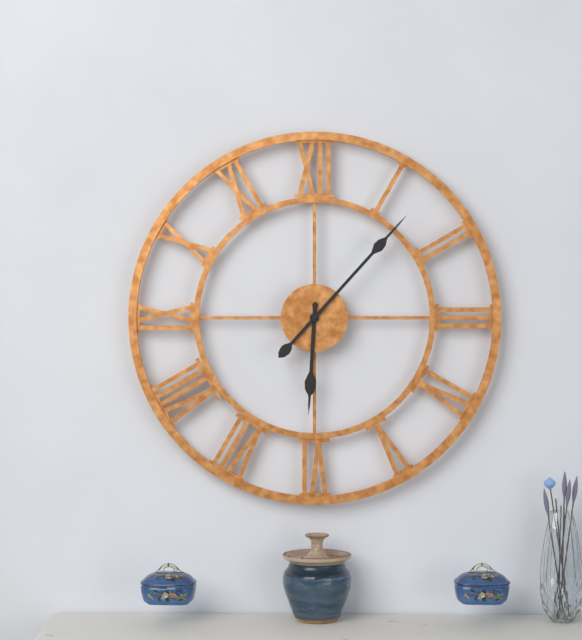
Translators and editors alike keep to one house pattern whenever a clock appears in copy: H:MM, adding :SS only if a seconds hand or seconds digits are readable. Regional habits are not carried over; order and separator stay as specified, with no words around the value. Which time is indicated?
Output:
6:07
